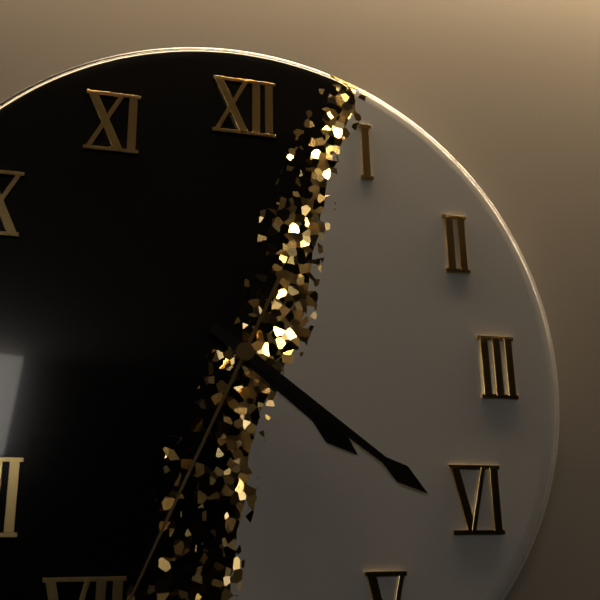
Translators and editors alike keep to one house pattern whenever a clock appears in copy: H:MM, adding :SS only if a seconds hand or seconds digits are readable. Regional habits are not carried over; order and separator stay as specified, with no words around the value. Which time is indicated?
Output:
4:21
